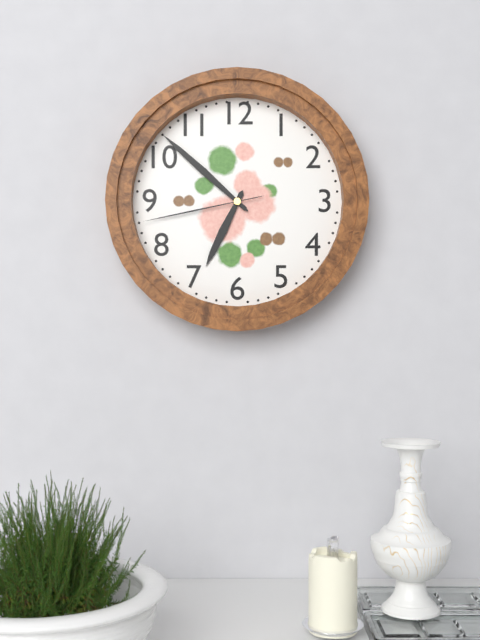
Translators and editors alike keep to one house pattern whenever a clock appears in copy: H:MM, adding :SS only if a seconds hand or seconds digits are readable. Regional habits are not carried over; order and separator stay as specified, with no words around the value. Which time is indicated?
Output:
6:52:43
